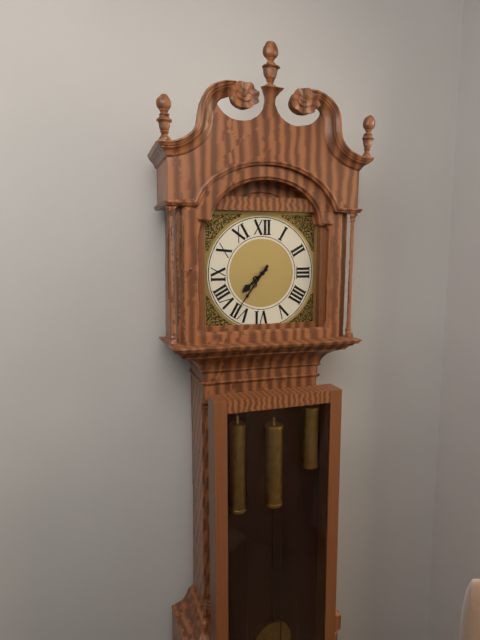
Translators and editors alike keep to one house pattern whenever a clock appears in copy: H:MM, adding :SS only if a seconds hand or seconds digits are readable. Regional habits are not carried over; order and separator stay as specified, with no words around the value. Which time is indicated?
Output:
7:36
